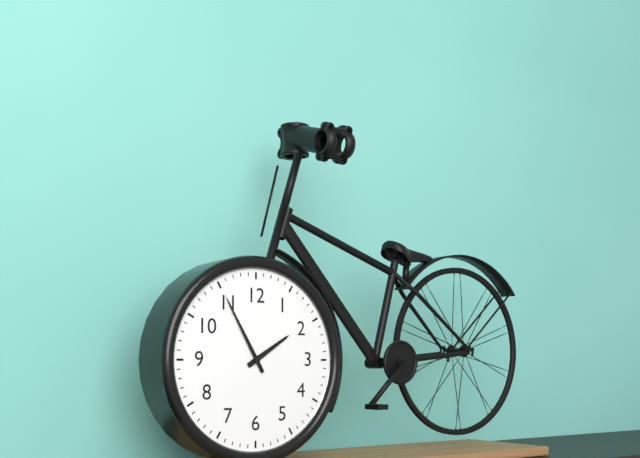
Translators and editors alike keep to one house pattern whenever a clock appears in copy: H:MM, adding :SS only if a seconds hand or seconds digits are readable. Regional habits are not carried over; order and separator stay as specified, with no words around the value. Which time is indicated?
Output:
1:55
